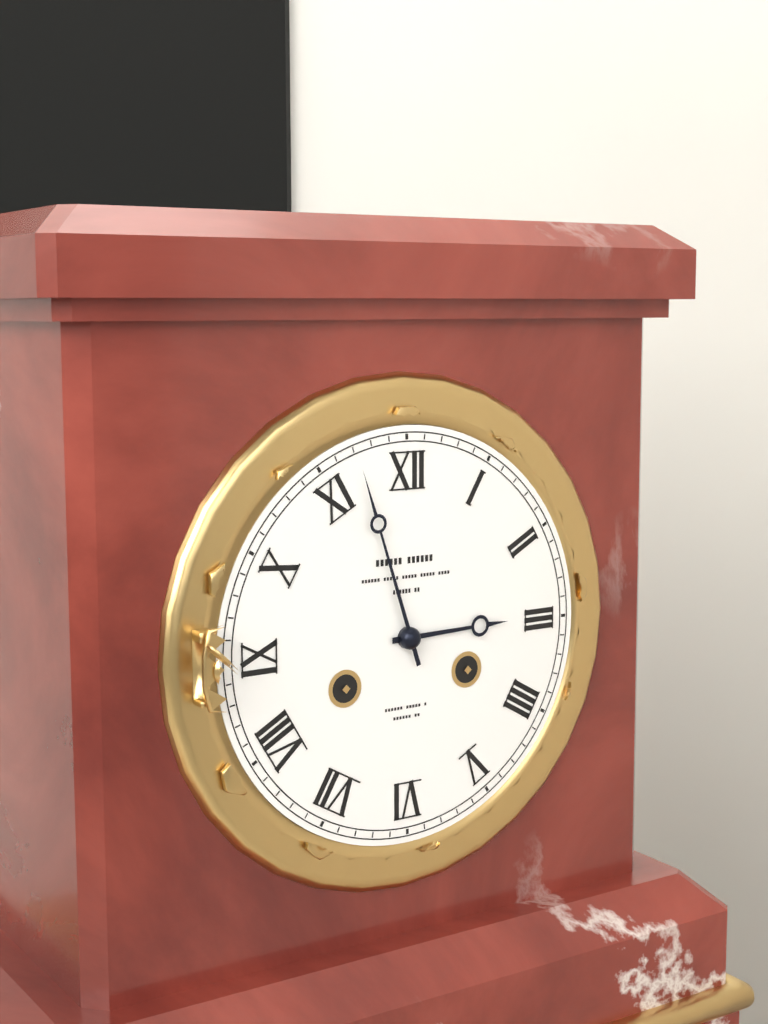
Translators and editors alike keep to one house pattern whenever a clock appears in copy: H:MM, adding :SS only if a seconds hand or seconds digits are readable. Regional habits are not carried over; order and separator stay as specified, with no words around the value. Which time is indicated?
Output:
2:57
